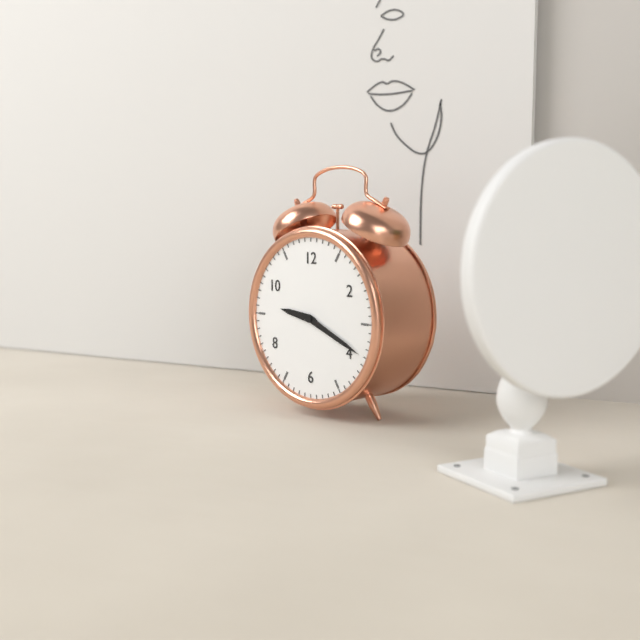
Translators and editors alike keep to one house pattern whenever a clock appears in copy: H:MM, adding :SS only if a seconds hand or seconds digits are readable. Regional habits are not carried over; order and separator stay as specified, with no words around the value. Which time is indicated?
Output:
9:19
